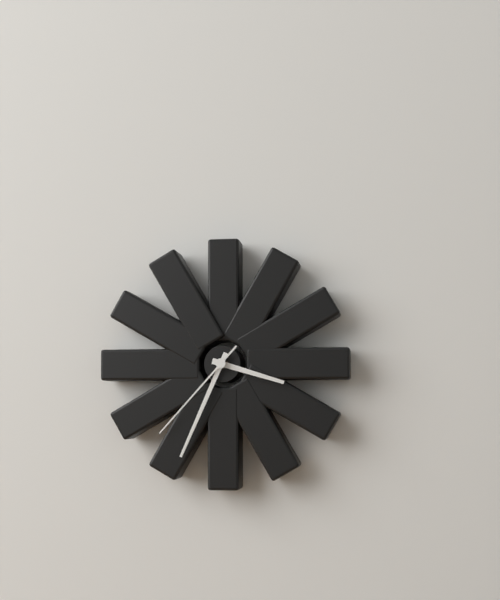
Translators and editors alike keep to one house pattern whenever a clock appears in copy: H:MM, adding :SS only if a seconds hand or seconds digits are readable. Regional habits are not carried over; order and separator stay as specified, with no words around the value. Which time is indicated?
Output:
3:34:37
